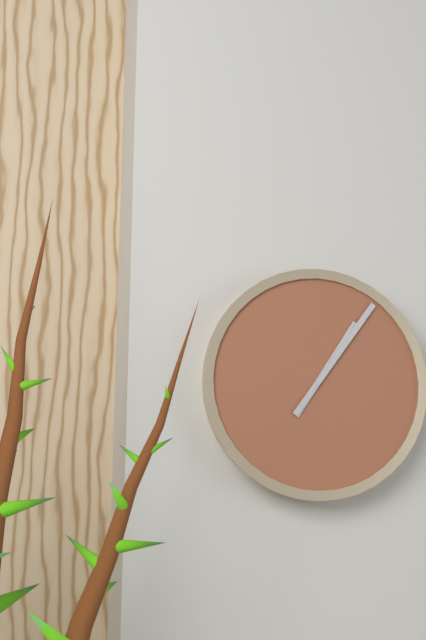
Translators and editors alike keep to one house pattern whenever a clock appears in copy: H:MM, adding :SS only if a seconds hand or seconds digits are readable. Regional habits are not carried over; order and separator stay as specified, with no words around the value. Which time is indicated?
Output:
1:06
